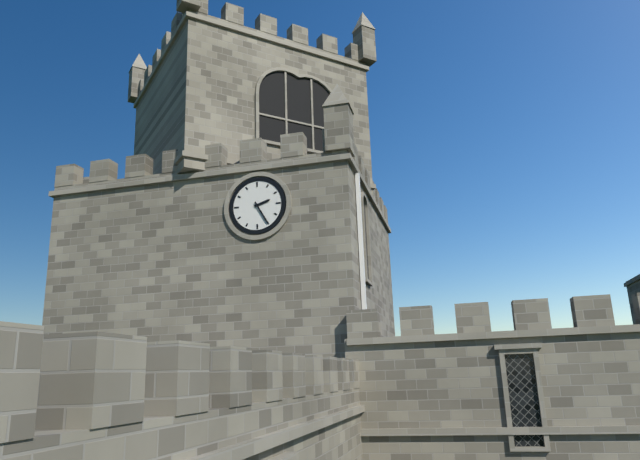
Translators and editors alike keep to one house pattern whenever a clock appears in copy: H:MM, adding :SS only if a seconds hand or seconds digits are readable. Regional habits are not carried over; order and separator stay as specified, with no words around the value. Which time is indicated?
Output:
2:25
